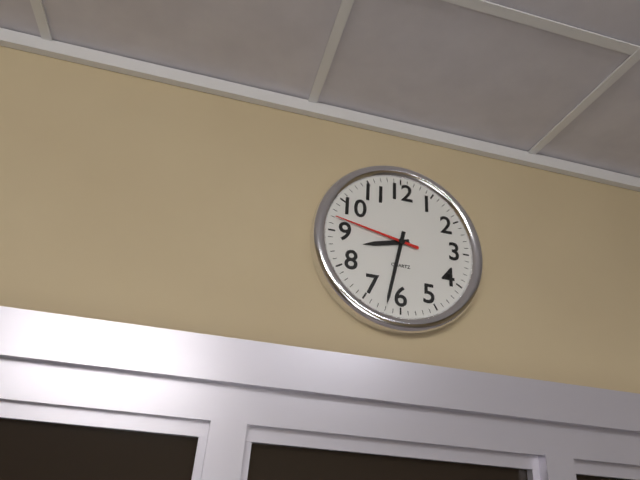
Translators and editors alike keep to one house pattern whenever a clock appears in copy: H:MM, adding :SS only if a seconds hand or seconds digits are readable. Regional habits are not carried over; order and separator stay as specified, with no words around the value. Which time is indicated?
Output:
8:32:47
